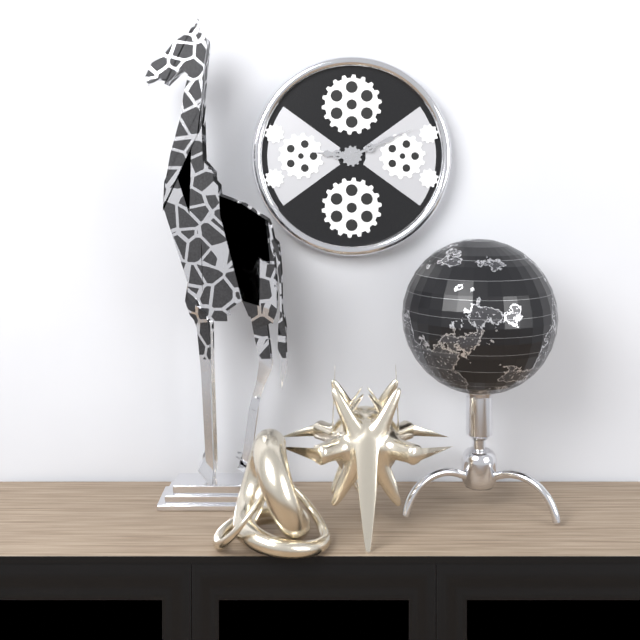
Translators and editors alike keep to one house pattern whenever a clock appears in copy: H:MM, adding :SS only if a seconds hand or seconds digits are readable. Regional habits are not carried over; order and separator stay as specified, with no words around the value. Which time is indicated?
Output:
9:11
